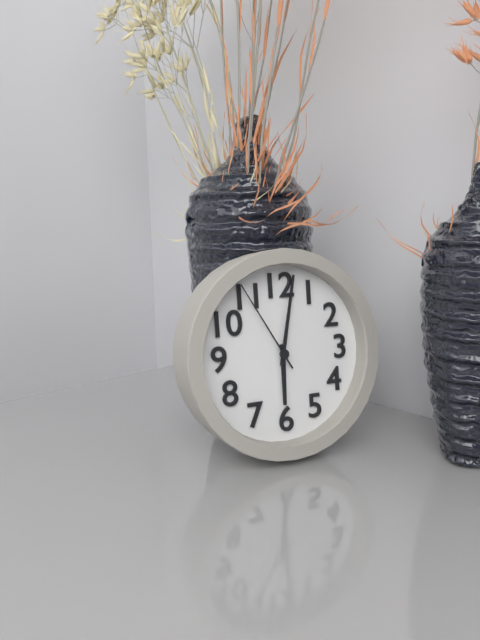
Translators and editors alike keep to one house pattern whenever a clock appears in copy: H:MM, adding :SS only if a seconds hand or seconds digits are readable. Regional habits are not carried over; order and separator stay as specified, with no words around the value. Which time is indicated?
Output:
6:02:55
